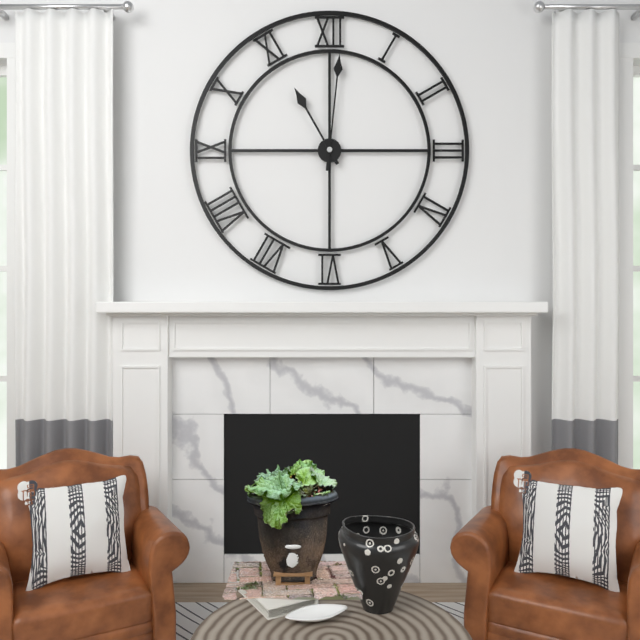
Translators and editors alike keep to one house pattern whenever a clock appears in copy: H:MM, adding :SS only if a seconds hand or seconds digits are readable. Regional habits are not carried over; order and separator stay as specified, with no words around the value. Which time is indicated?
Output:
11:01
